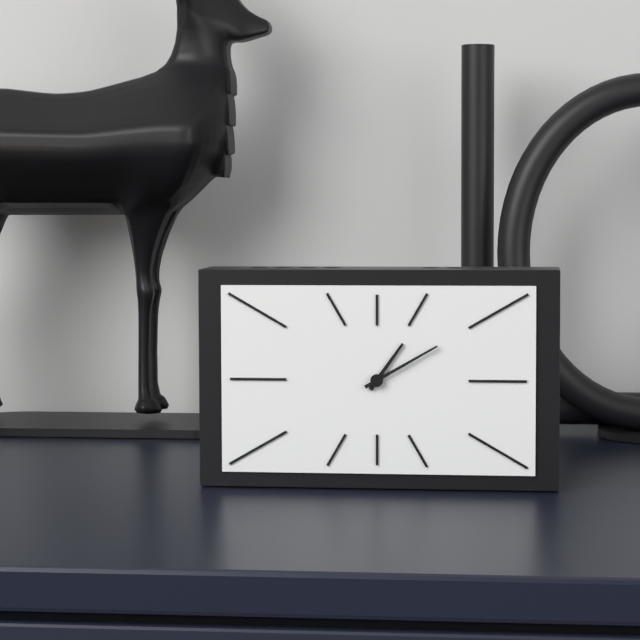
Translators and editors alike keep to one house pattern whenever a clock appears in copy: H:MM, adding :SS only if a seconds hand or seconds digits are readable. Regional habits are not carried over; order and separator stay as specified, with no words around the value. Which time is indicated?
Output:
1:10
